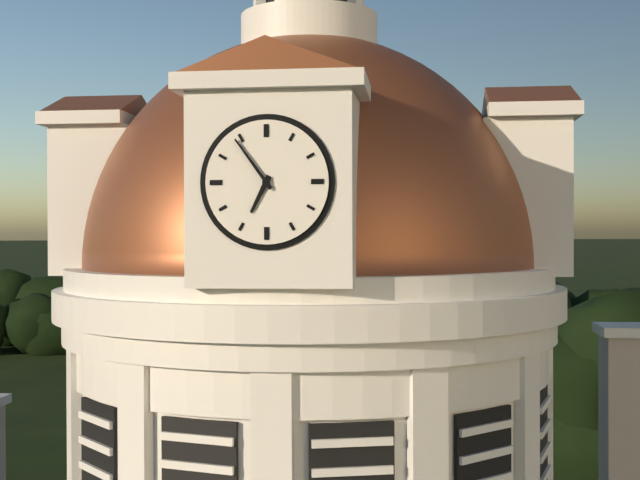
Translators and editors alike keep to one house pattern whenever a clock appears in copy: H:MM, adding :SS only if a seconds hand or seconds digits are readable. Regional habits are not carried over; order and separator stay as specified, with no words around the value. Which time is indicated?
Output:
6:54
